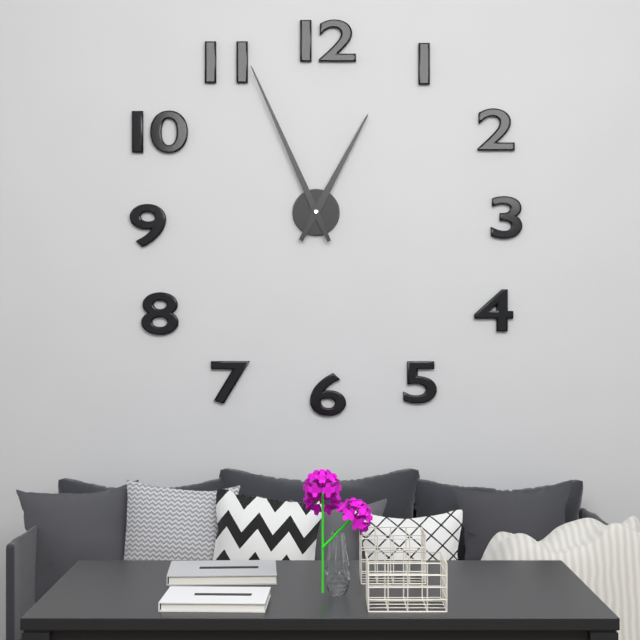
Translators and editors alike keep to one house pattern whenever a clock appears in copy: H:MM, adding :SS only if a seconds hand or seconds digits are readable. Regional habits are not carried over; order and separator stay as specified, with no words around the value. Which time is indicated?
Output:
12:56
